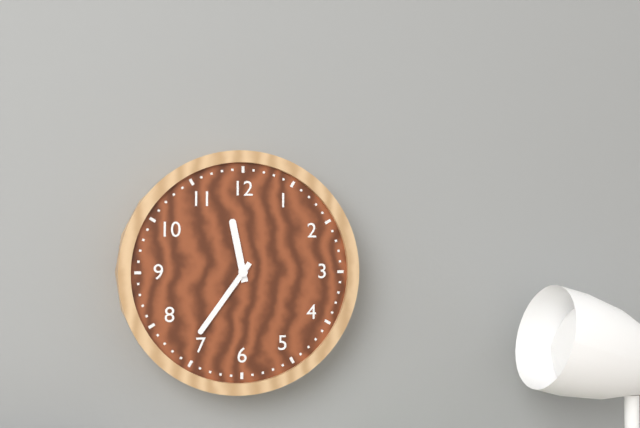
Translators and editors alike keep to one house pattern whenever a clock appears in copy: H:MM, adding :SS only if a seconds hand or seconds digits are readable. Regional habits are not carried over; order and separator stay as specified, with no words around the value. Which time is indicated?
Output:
11:36
